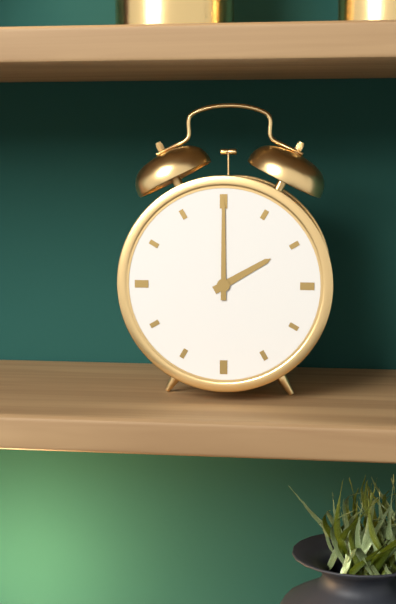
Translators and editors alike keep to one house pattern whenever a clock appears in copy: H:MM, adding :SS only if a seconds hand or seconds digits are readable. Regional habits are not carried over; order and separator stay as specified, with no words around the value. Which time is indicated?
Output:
2:00
